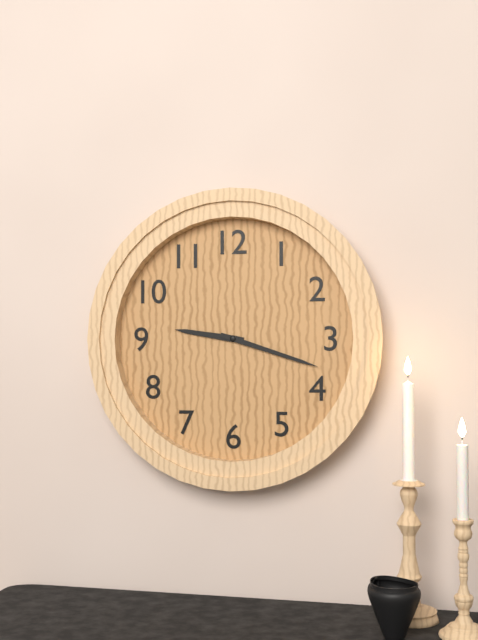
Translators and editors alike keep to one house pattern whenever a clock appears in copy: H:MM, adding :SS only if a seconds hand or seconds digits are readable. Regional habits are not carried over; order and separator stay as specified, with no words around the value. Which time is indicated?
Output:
9:18
